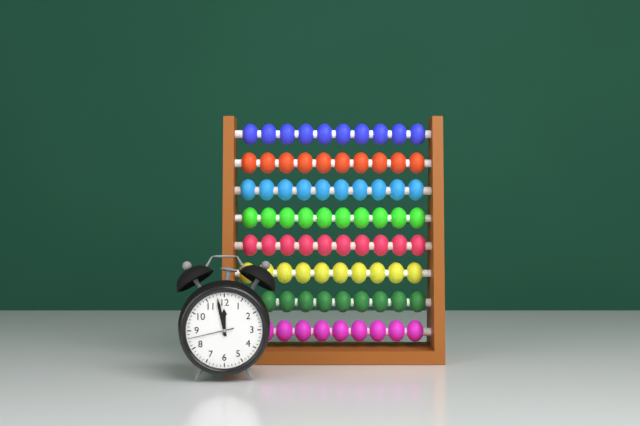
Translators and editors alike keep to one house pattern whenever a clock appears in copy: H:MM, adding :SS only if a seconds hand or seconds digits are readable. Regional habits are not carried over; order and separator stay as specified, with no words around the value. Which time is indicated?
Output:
11:58
